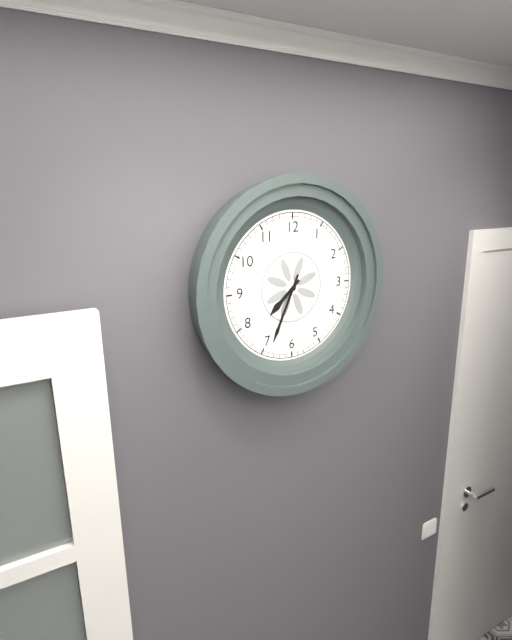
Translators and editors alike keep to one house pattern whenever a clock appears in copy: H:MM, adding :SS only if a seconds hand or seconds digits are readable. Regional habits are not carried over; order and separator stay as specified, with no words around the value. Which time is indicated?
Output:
7:34
